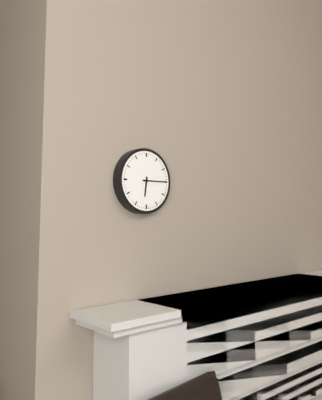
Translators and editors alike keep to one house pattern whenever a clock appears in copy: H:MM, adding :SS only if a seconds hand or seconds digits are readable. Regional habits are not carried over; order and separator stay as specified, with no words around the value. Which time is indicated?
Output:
6:15
